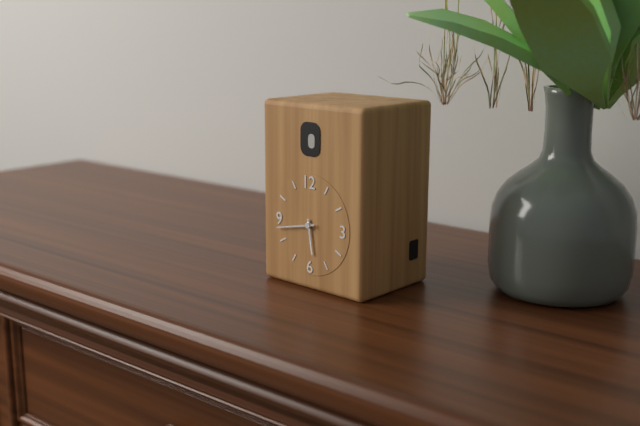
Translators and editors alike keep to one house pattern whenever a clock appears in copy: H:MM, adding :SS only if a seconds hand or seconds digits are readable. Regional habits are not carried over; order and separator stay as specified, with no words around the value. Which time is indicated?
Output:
5:43
